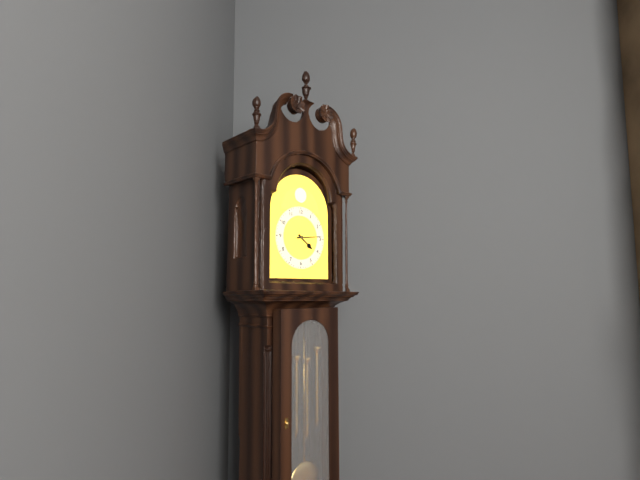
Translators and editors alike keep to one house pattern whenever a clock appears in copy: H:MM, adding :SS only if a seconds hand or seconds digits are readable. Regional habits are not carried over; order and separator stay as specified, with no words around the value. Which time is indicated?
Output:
4:14
